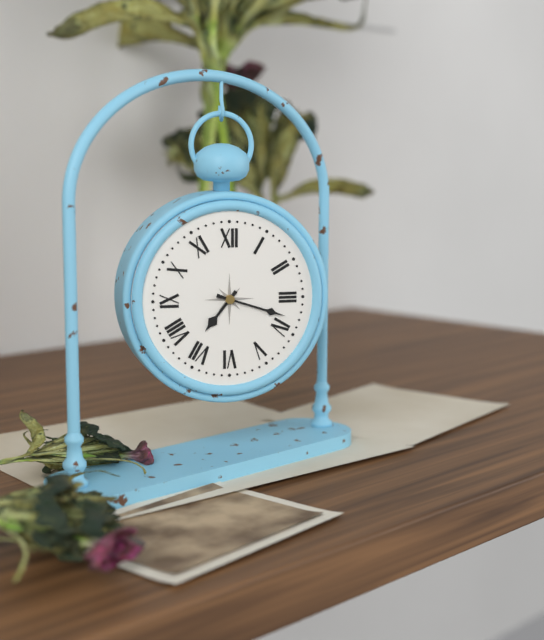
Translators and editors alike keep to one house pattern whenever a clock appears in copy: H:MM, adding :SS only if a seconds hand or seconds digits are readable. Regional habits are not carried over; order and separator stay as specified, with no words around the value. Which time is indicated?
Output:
7:18
